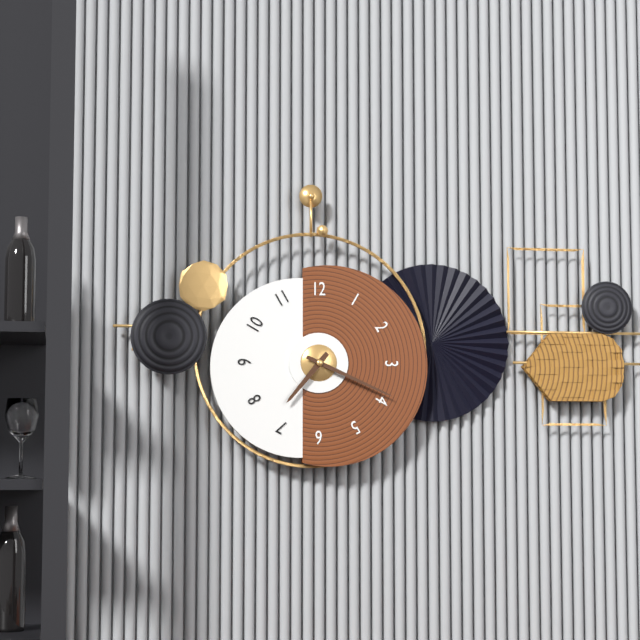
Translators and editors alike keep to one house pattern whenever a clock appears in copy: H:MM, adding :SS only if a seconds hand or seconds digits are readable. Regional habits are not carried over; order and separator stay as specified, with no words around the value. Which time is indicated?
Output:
7:19
